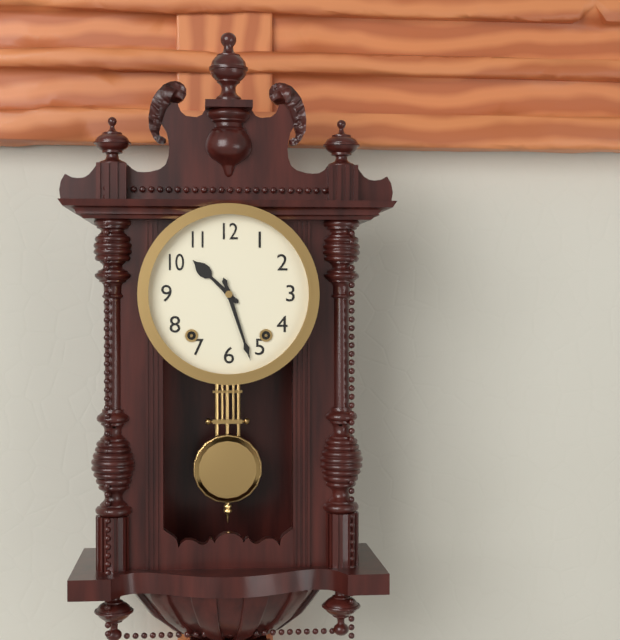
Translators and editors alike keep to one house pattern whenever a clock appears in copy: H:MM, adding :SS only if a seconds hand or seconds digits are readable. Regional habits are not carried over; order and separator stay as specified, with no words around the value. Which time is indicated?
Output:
10:27
